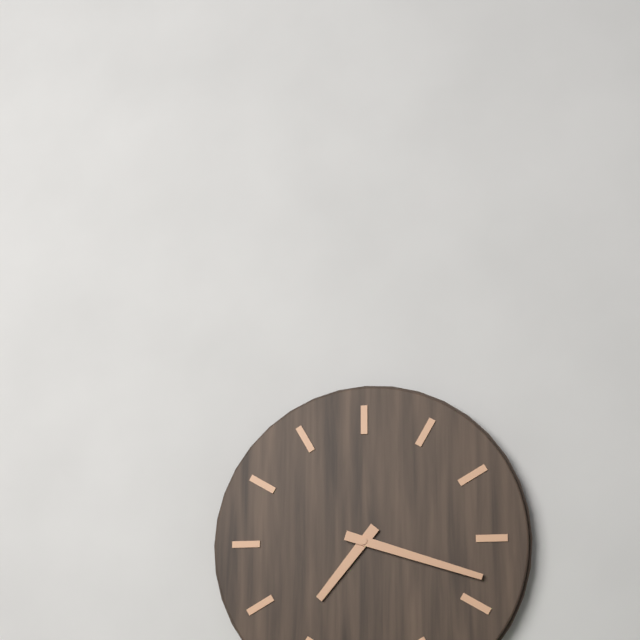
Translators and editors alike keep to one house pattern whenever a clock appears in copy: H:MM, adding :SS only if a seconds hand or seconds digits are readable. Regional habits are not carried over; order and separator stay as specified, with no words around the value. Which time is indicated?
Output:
7:18
